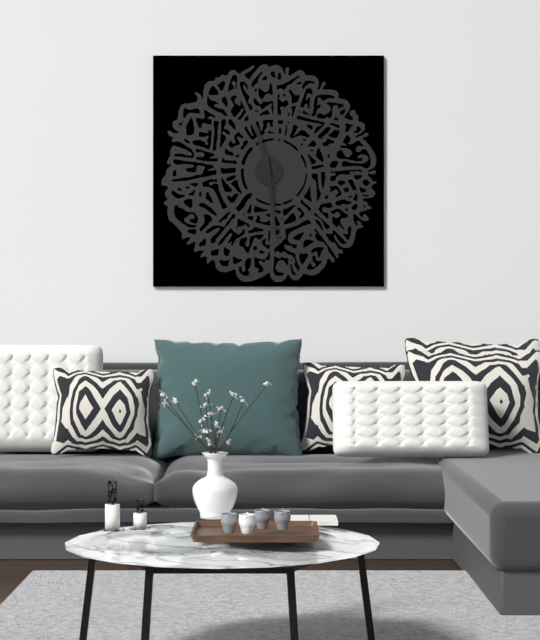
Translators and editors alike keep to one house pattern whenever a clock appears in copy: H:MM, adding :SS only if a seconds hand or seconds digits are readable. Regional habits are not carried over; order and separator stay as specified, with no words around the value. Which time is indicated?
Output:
11:29
